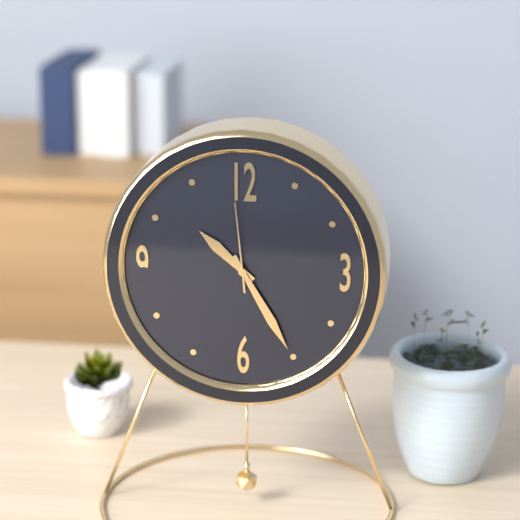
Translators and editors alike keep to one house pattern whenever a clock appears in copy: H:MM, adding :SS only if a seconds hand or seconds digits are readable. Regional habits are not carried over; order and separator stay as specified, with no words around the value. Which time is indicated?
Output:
10:25:59
